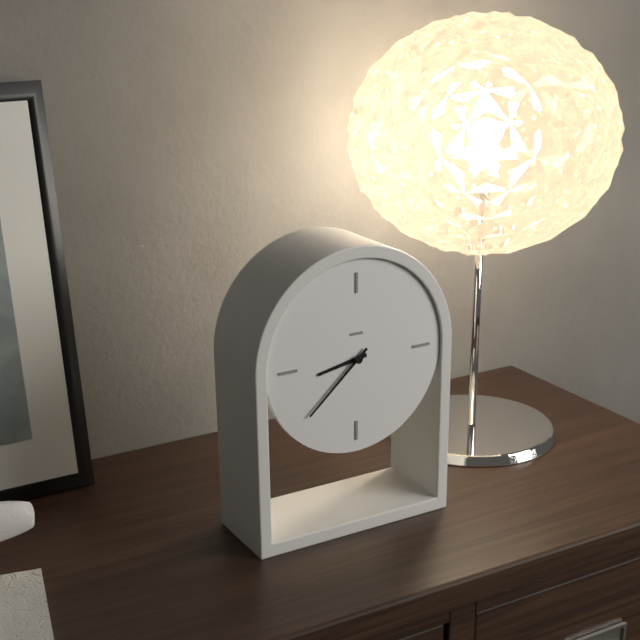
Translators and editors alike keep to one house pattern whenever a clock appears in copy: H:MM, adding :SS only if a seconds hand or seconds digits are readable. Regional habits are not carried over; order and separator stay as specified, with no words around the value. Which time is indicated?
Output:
8:38
